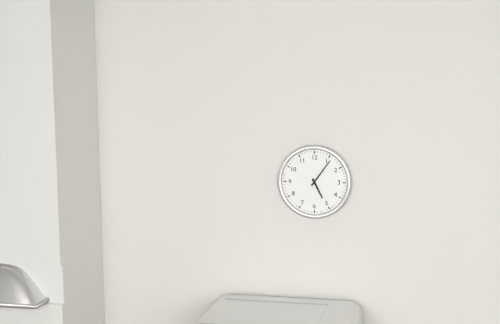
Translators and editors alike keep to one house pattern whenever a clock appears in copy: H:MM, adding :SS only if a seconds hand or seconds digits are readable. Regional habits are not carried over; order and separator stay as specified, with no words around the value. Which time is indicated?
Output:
5:06
